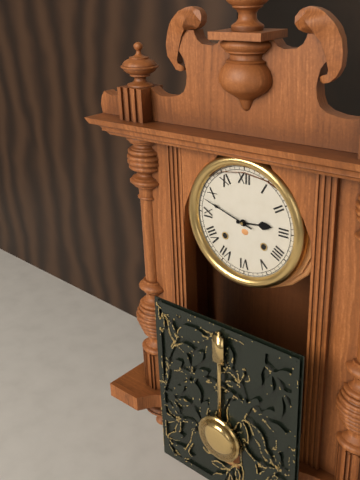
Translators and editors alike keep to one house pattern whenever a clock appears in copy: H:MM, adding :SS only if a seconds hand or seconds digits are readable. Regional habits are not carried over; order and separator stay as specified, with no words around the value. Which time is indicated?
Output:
2:48
